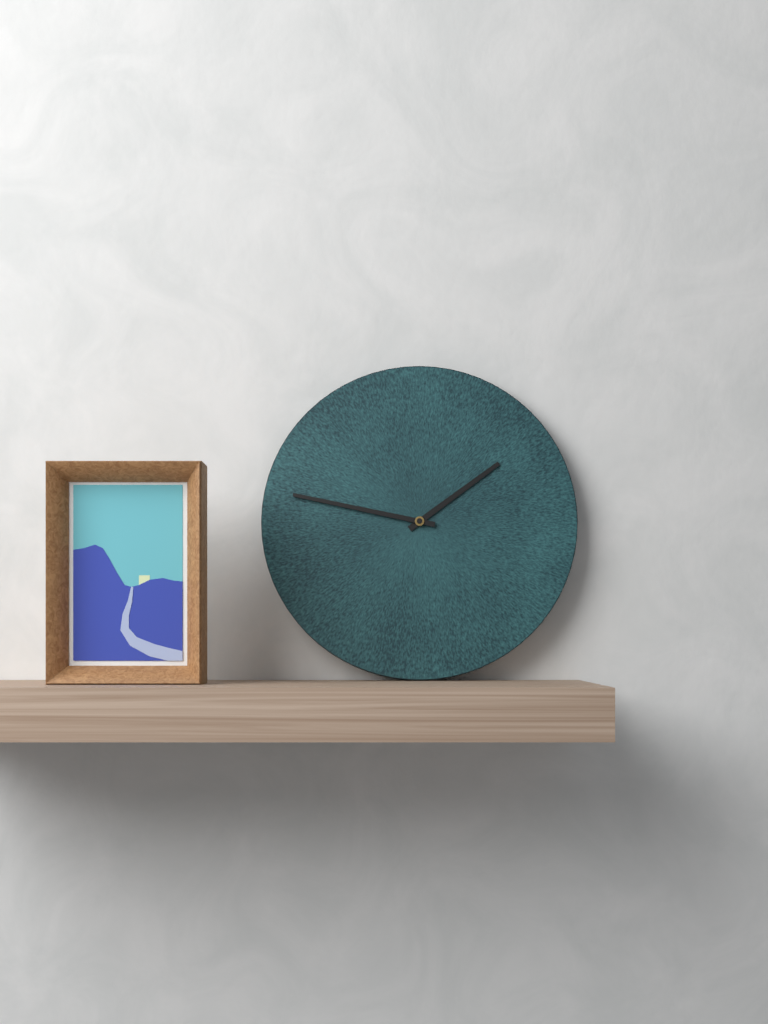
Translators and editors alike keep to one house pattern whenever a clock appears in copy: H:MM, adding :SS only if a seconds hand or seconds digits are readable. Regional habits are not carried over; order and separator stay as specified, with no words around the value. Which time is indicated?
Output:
1:47
